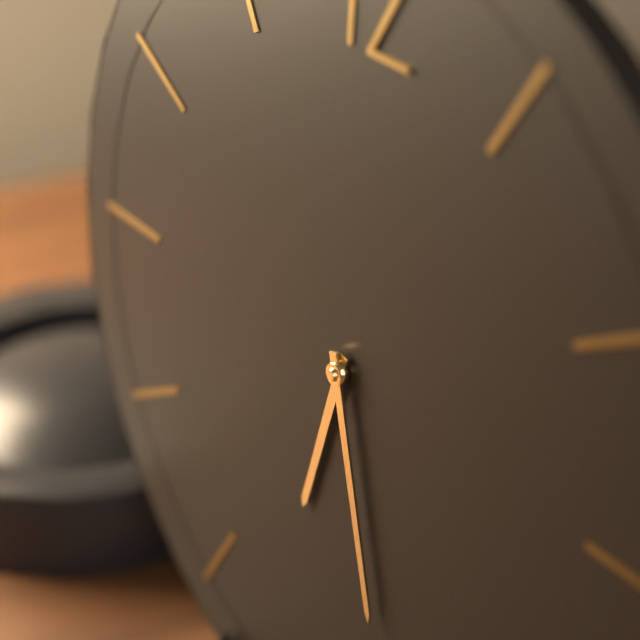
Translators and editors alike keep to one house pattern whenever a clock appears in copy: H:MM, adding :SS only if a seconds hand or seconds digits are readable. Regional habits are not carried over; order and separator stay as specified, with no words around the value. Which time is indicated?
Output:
6:27
